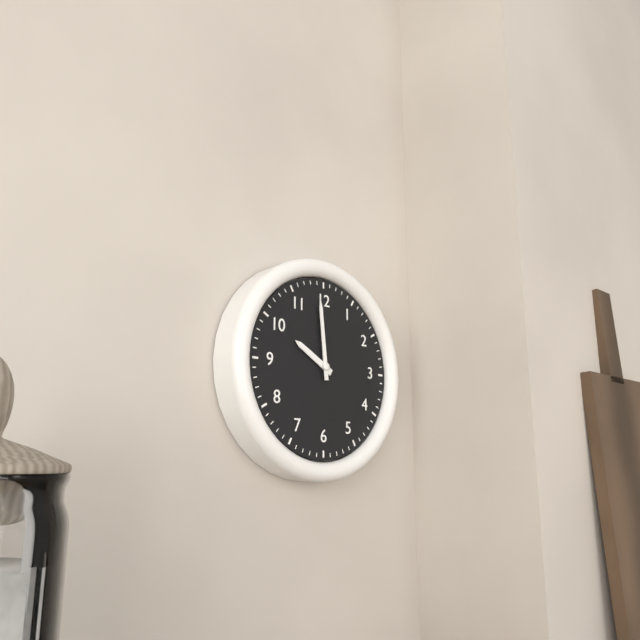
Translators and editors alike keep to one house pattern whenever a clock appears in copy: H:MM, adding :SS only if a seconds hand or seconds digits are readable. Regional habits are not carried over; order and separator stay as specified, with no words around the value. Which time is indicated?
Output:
9:59
